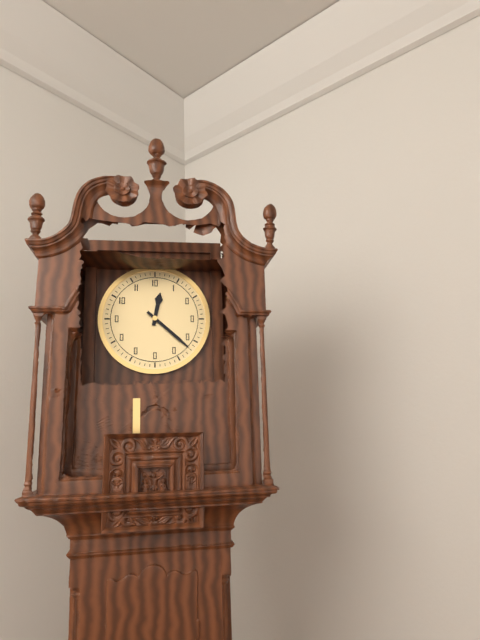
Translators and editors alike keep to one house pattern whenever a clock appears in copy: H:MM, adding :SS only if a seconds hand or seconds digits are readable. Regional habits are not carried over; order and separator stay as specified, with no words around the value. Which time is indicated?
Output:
12:22
